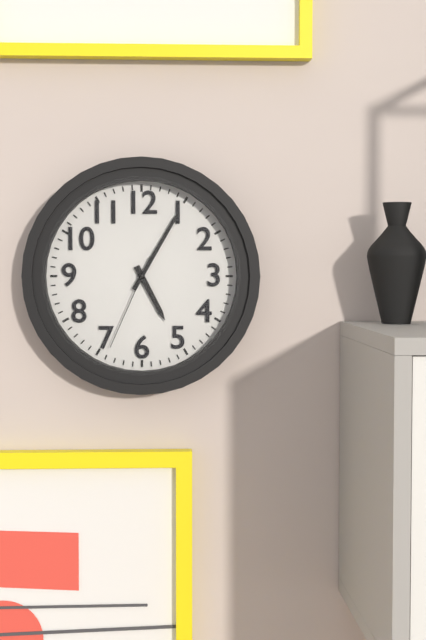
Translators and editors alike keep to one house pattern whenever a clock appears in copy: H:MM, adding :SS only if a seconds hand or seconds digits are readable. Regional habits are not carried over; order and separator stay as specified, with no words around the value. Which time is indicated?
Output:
5:05:34
